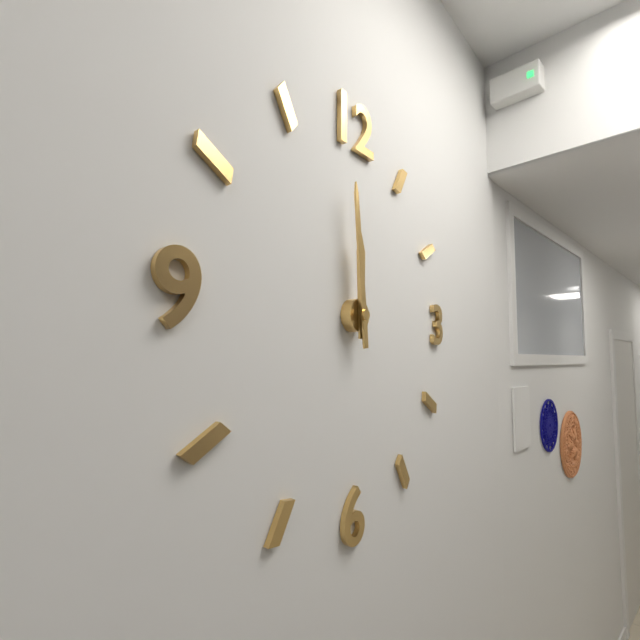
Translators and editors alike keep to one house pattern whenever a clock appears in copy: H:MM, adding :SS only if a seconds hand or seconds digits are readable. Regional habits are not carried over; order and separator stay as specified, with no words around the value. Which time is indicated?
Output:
11:59
